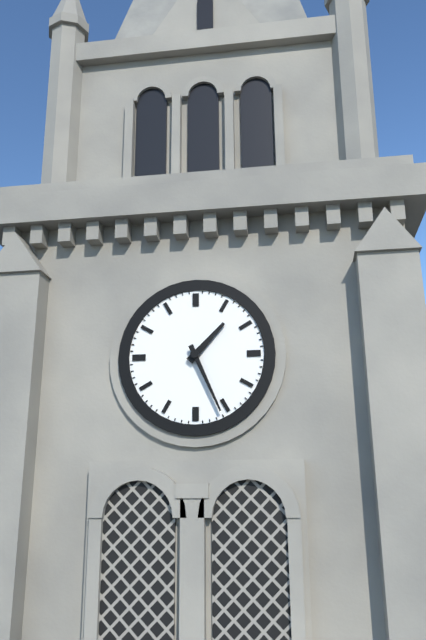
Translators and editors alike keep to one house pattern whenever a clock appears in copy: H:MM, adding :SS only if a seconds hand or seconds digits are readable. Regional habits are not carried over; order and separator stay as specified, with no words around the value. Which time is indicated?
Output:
1:26
